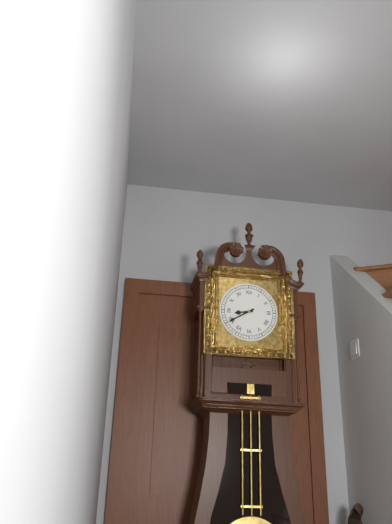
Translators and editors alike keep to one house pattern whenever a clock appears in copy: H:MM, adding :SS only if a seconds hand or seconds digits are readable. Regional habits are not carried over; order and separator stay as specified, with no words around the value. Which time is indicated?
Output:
8:40
